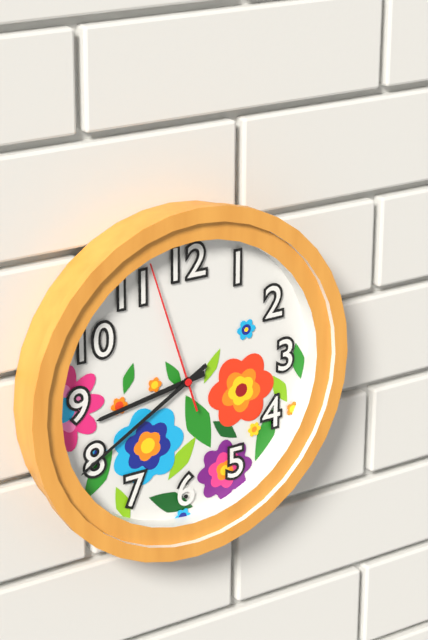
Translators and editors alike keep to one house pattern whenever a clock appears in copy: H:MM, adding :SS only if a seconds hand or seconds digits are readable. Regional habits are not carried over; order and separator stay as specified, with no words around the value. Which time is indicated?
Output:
8:40:57
